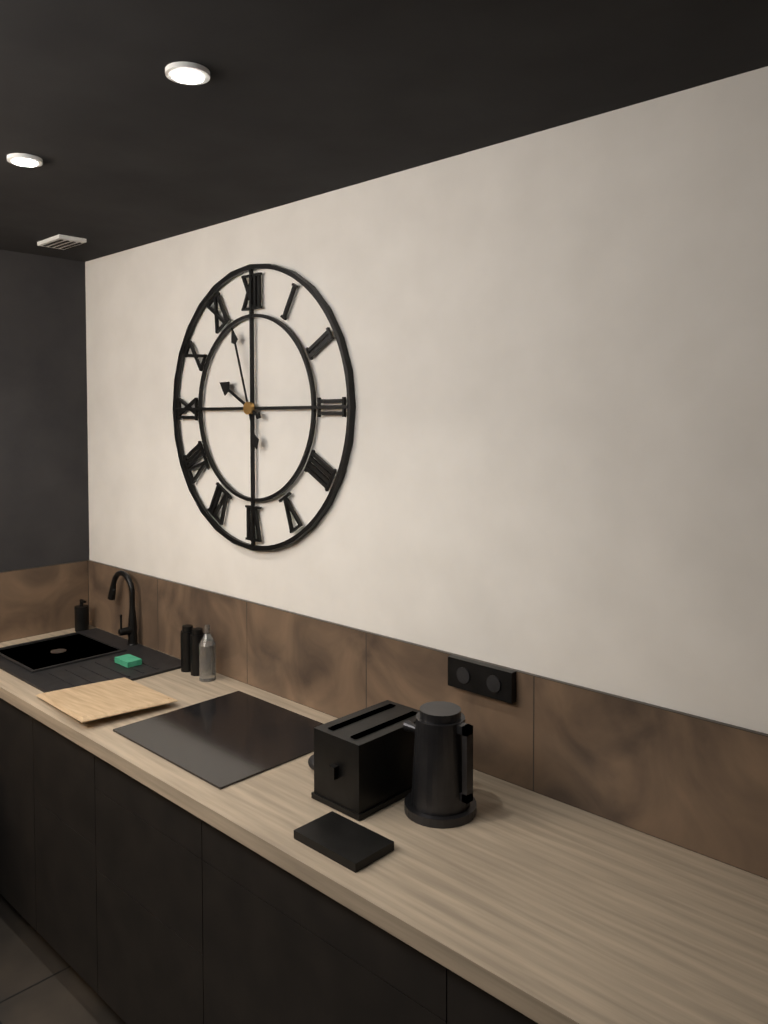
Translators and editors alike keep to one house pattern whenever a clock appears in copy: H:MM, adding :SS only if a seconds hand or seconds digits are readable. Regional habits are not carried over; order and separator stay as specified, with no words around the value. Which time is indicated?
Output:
9:57
